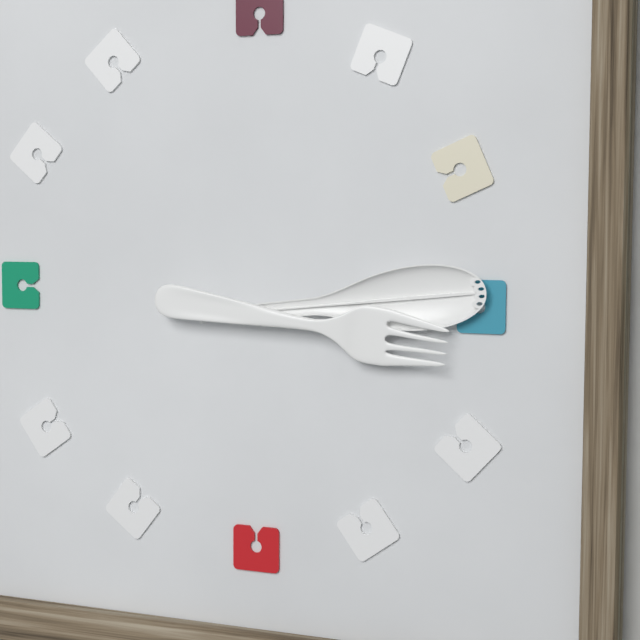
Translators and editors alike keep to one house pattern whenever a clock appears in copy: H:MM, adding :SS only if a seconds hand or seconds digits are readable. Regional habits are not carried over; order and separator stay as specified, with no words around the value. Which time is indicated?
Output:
3:14
